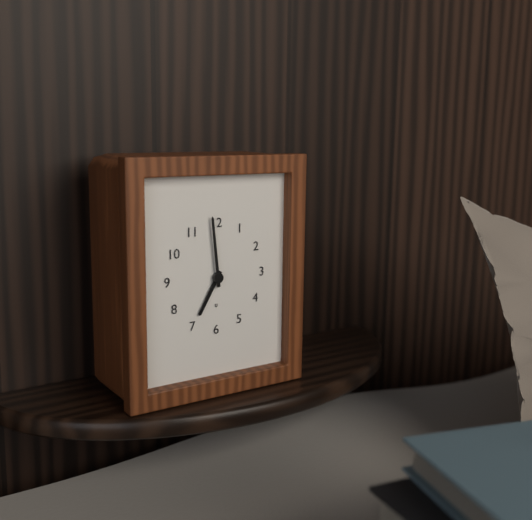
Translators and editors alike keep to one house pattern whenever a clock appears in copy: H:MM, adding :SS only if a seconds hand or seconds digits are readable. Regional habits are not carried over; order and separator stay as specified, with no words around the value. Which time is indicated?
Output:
6:59
